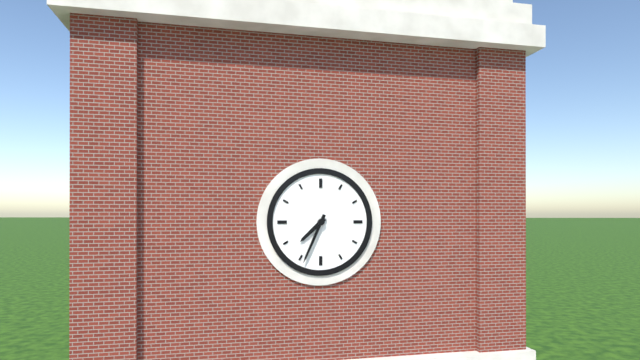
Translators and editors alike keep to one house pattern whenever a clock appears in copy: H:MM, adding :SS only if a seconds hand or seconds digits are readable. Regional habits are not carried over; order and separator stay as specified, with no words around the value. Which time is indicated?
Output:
7:34
